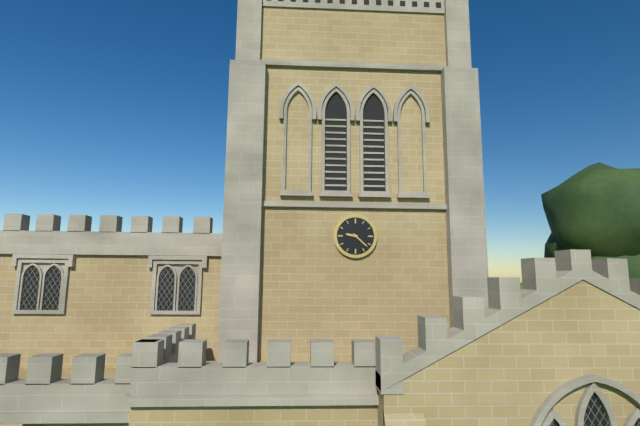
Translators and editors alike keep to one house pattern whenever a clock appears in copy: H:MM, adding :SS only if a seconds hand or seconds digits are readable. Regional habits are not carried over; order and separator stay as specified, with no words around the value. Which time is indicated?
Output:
9:22
